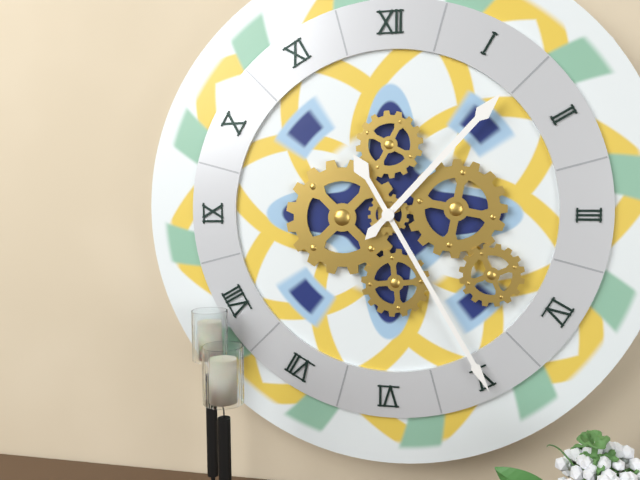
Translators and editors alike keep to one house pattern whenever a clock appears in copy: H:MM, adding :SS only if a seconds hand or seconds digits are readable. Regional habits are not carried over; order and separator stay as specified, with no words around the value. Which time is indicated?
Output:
1:25
